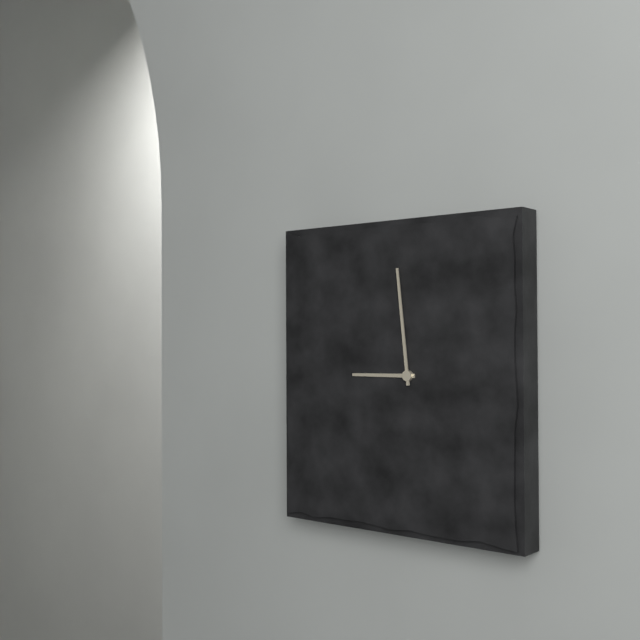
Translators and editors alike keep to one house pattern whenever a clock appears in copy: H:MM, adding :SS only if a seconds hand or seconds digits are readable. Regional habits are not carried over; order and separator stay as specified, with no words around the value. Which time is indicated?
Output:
8:59
